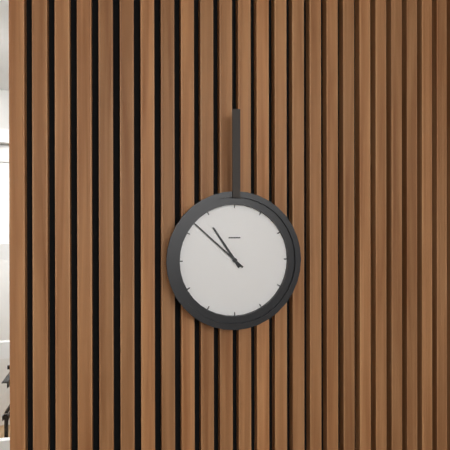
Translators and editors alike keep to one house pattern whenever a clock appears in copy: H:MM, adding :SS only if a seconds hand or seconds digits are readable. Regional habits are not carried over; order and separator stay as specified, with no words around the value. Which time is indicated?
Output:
10:52
